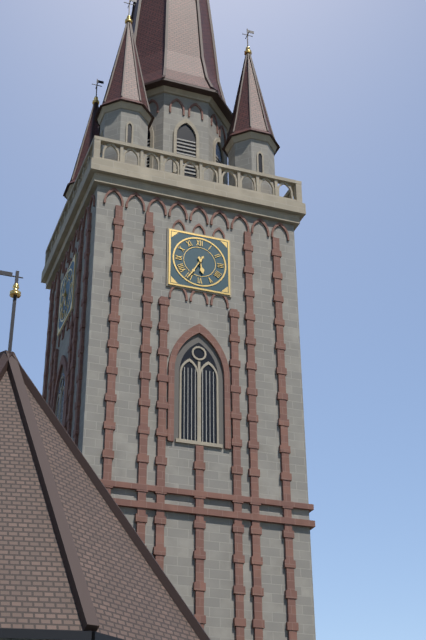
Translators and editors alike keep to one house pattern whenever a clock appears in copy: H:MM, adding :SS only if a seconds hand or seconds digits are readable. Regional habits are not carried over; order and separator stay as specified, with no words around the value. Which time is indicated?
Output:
5:35
